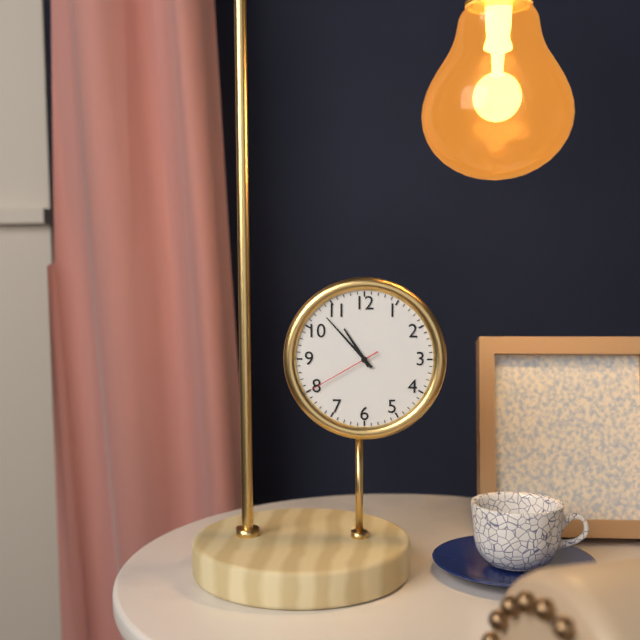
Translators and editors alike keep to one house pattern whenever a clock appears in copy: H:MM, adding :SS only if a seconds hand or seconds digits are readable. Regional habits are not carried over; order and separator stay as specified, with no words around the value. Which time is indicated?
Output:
10:53:40
